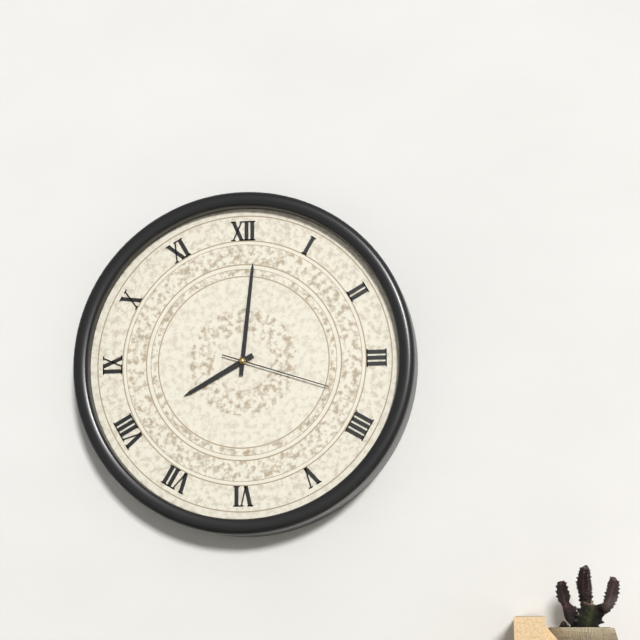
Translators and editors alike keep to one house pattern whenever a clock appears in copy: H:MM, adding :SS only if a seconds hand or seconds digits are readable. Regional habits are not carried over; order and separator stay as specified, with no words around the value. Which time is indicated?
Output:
8:01:18
